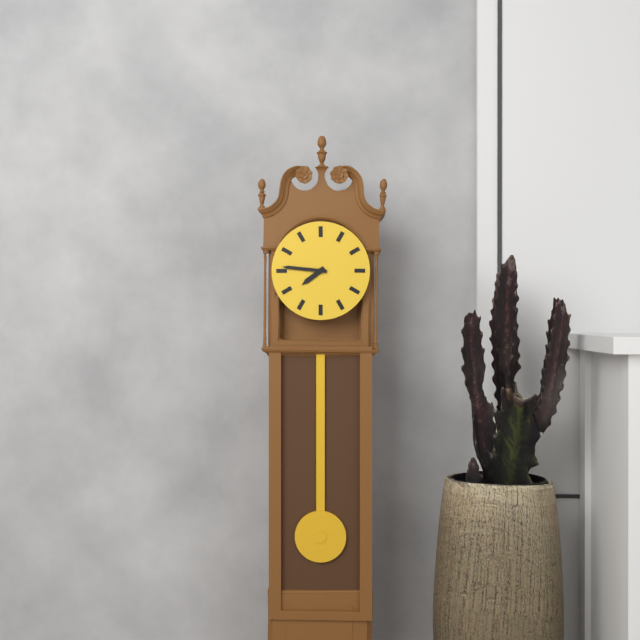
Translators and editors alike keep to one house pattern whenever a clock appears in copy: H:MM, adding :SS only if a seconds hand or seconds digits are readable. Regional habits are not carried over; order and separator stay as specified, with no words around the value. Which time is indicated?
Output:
7:46
